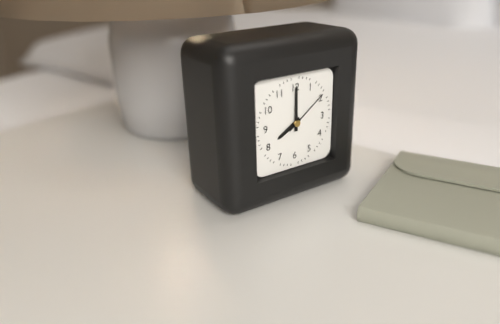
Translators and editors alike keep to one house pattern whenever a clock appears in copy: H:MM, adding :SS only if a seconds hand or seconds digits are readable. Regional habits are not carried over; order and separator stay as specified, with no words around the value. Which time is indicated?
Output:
8:00
